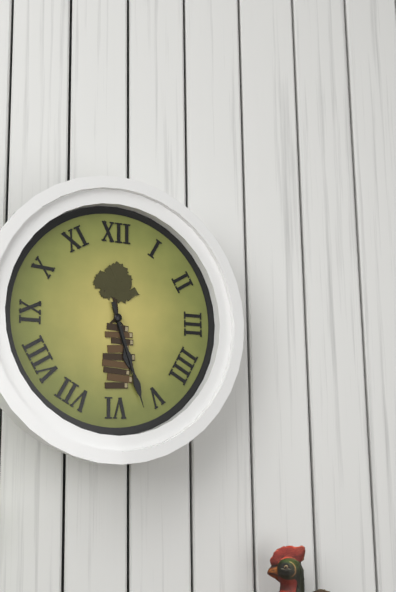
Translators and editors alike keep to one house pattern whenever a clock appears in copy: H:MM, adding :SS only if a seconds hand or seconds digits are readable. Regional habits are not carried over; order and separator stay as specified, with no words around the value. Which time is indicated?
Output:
5:27
